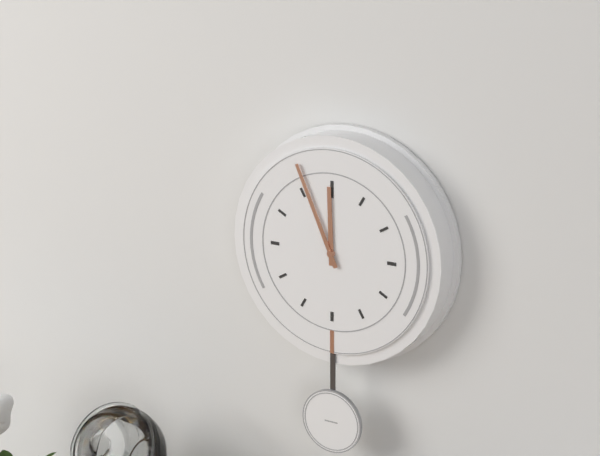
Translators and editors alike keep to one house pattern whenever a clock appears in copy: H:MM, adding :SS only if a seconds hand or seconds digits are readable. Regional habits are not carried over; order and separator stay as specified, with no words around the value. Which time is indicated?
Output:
11:56
